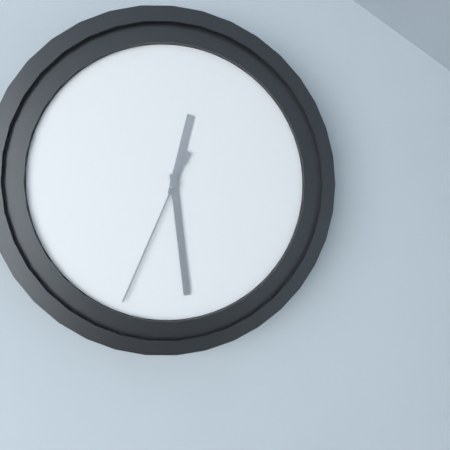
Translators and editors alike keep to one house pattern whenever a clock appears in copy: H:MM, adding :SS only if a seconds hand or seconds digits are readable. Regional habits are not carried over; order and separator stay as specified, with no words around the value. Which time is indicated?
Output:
12:29:34
